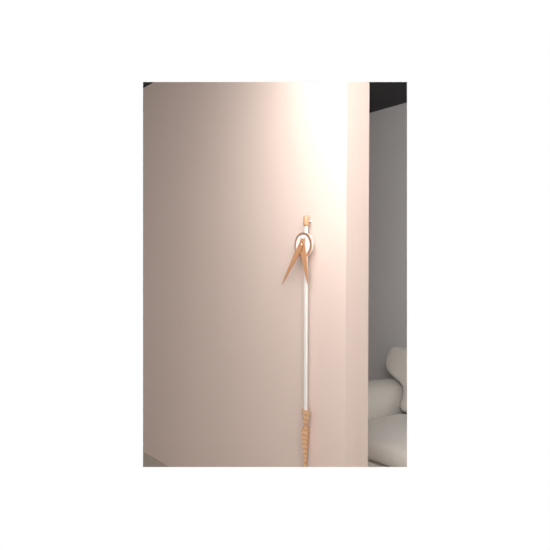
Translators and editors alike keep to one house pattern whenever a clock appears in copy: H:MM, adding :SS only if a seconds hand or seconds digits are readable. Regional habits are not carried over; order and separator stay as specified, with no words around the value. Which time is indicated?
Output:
5:36
